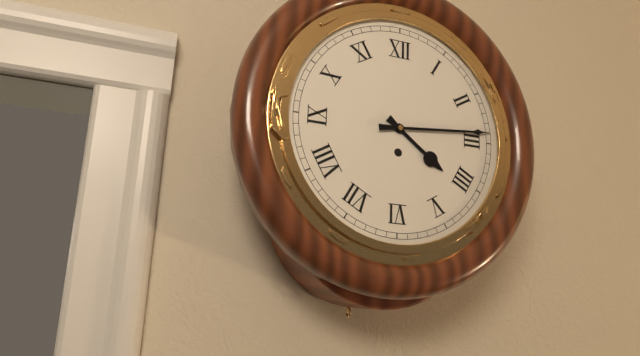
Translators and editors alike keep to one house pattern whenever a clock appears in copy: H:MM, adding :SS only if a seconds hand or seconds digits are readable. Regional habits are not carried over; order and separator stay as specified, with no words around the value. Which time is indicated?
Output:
4:14
